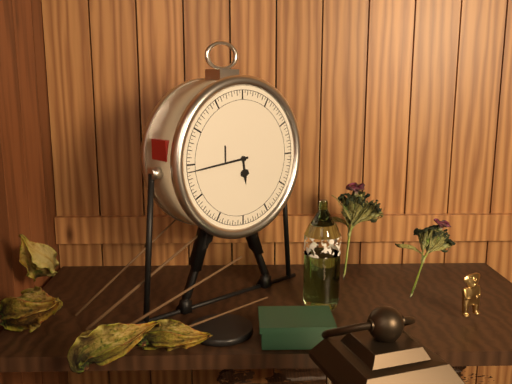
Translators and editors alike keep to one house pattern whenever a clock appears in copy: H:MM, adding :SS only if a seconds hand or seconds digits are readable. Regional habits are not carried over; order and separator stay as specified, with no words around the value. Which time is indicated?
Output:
5:44
